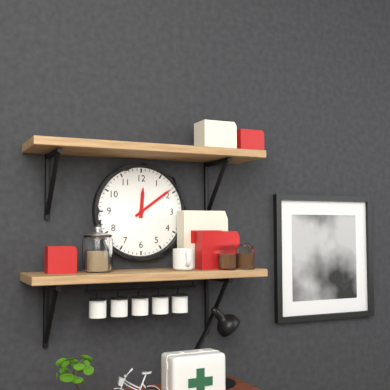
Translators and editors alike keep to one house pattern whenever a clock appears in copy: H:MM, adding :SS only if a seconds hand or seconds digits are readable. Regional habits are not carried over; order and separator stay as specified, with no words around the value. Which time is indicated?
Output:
12:09
